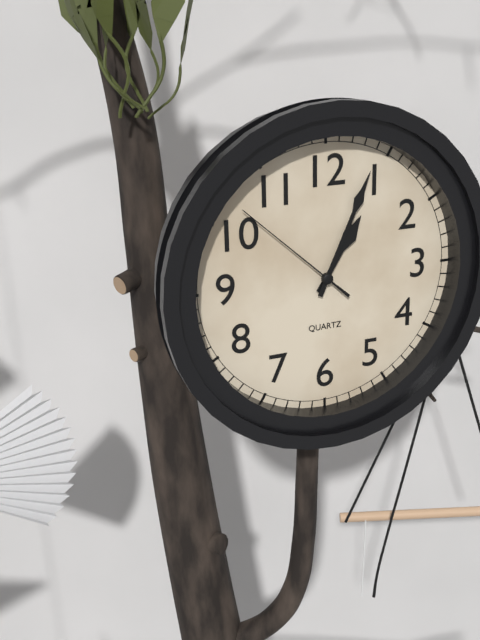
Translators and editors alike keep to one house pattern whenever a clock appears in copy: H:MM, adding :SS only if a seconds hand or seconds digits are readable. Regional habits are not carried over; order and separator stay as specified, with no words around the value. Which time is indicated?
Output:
1:04:52
